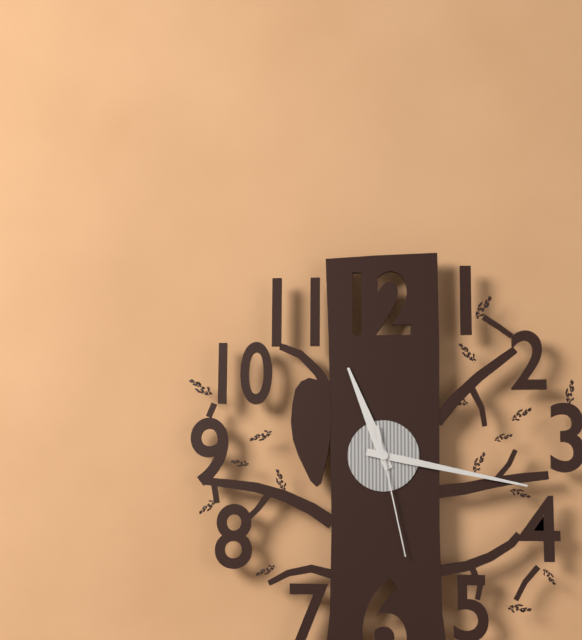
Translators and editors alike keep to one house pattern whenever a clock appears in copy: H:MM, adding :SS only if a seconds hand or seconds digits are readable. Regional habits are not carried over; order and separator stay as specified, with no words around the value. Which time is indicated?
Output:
11:17:28
